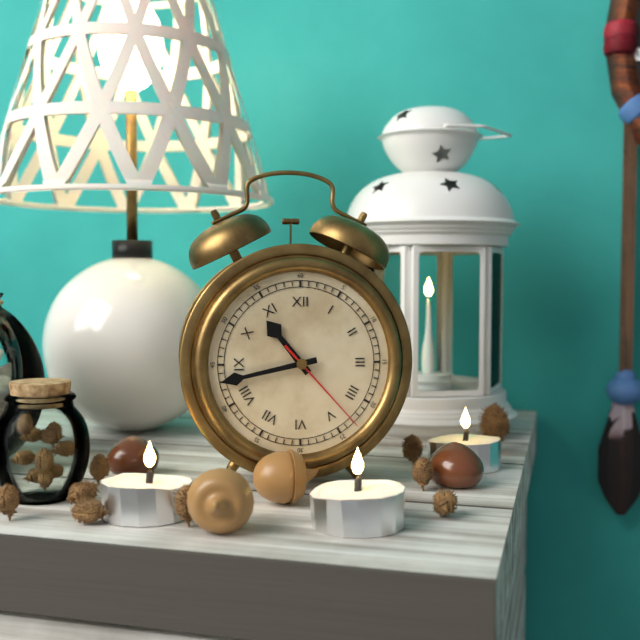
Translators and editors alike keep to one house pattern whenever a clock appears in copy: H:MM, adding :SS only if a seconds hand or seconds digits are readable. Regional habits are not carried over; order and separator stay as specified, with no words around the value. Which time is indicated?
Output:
10:43:23
